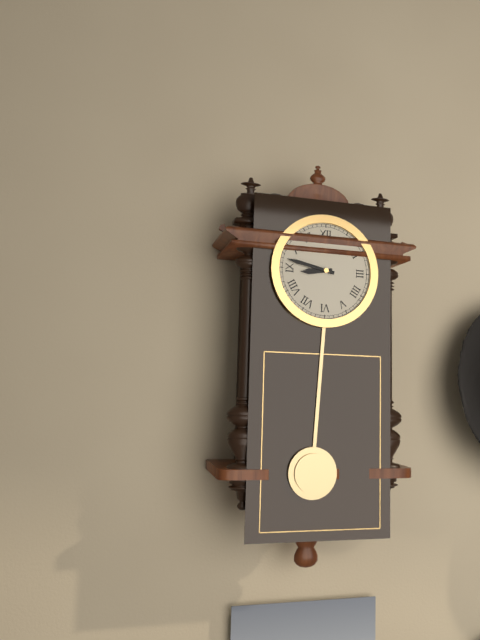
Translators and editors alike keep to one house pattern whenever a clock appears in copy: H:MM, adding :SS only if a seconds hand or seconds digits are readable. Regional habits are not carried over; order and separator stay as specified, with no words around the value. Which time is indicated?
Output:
8:47
